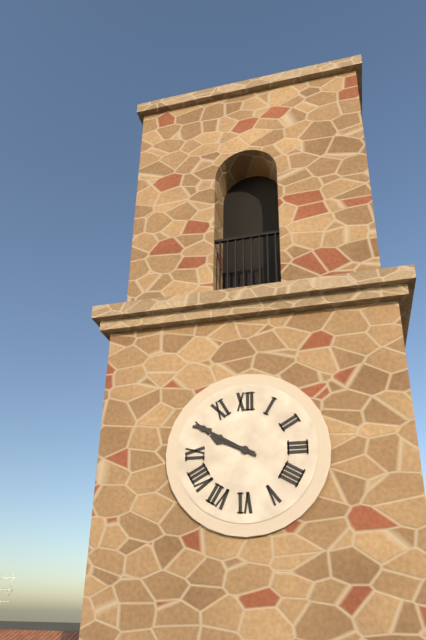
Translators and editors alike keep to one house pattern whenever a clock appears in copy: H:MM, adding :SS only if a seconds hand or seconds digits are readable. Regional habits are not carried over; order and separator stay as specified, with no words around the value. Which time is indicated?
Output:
9:50
